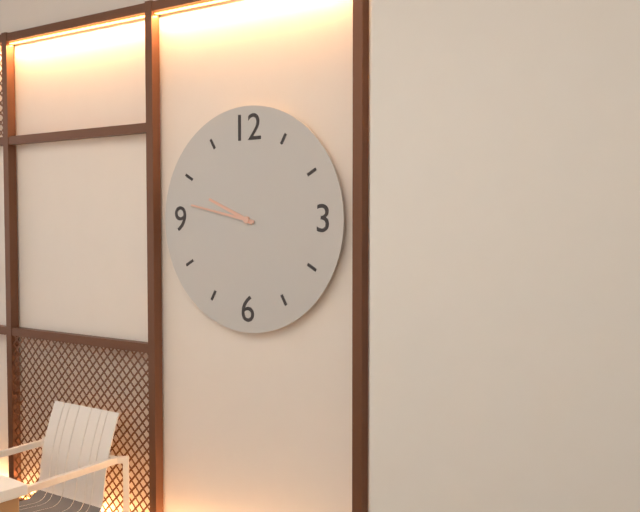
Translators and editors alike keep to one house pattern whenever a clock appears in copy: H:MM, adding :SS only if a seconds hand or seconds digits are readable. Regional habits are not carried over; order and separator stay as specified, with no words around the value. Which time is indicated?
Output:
9:47
